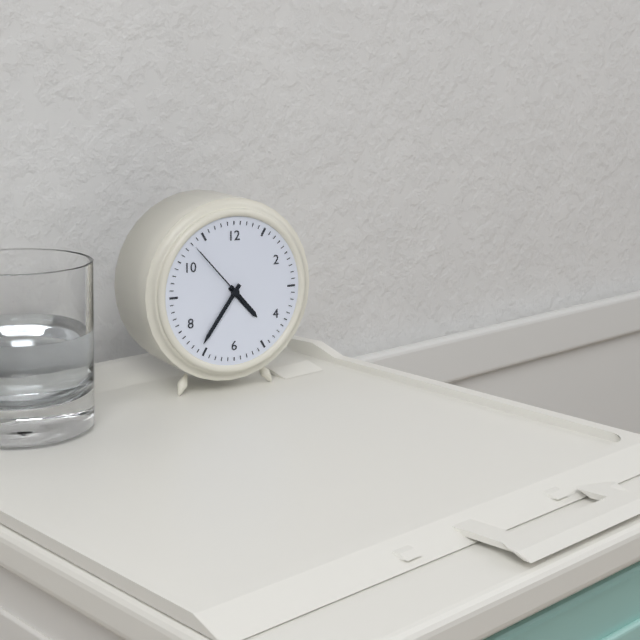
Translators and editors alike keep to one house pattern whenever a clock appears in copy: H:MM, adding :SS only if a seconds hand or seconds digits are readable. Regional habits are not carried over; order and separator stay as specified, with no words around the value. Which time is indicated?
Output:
4:36:53
